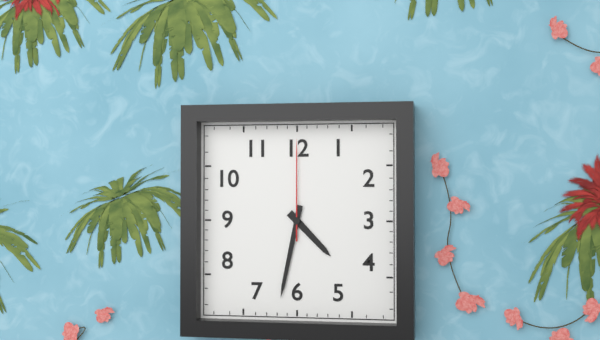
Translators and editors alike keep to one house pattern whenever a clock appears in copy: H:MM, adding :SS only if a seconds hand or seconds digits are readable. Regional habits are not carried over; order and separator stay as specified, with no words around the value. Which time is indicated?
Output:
4:32:00
